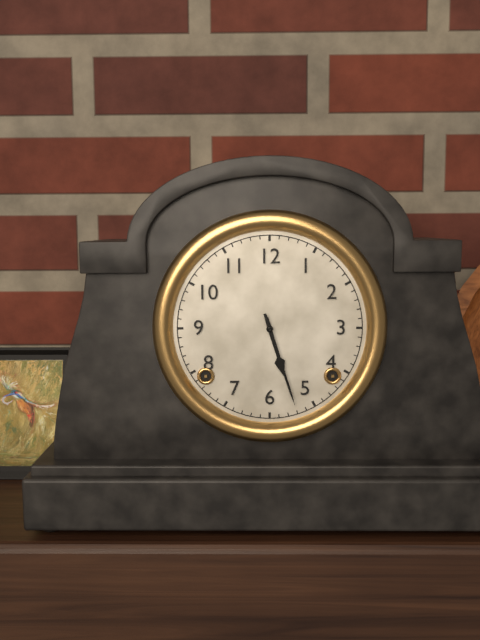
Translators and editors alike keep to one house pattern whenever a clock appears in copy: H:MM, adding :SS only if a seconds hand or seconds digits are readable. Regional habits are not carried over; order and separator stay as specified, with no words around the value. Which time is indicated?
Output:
5:27
